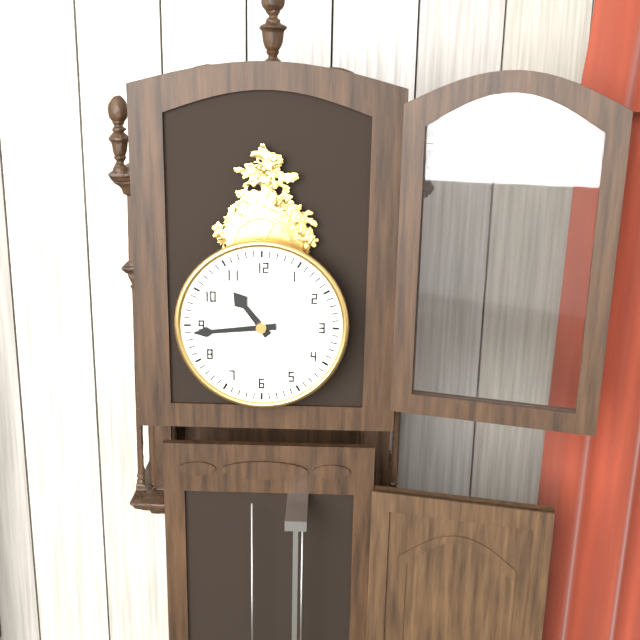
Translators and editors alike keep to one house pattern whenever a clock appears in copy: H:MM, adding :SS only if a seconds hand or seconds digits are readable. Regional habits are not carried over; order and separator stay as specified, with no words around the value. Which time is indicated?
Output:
10:44
